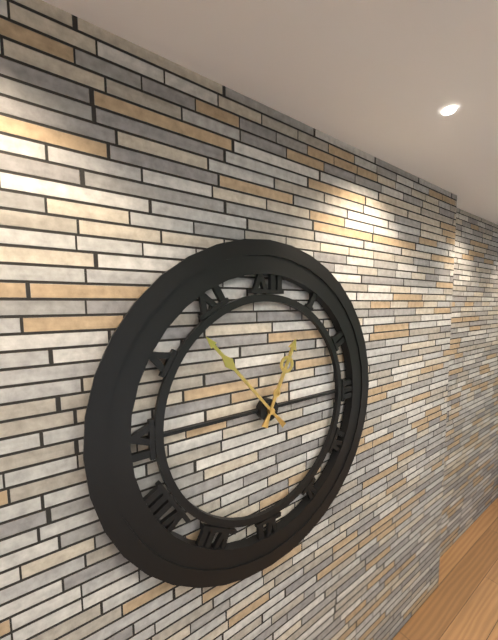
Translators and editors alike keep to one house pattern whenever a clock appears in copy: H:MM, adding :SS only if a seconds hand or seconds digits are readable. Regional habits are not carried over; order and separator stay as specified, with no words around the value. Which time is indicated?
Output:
12:53
